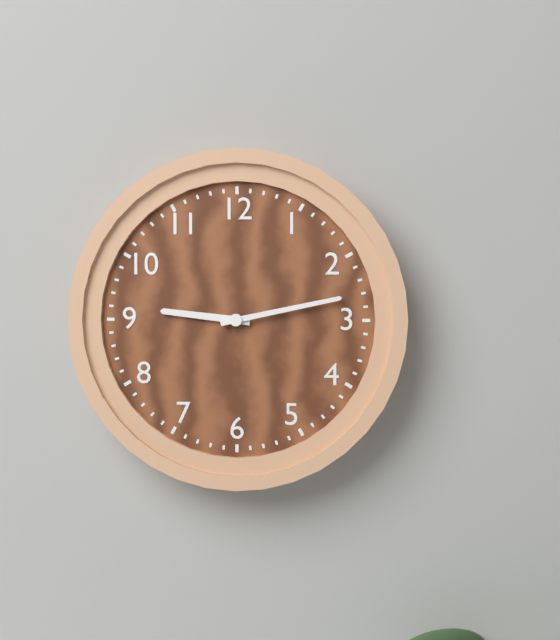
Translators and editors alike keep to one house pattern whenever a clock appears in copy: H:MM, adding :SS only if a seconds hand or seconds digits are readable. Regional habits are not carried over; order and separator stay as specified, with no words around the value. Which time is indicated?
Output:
9:13
